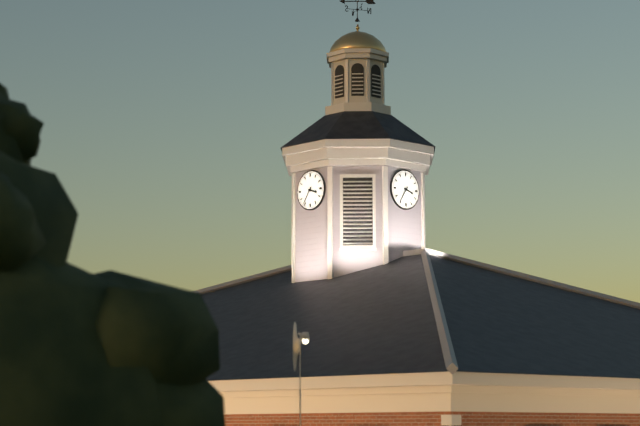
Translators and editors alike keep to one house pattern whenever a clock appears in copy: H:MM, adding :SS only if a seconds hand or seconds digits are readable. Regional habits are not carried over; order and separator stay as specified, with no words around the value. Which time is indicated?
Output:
3:36
